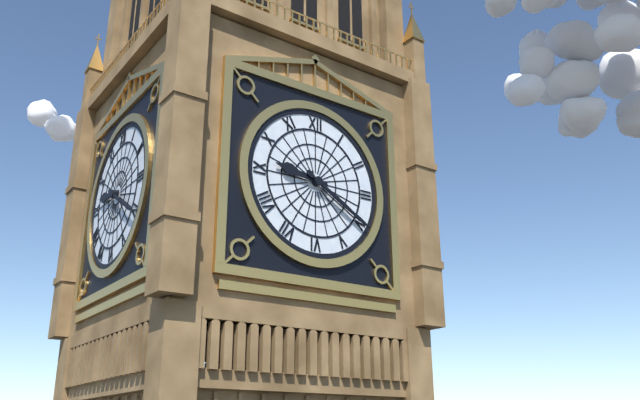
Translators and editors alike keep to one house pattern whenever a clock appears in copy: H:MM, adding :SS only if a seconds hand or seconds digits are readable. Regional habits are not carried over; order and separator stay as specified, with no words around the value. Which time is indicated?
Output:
9:20
